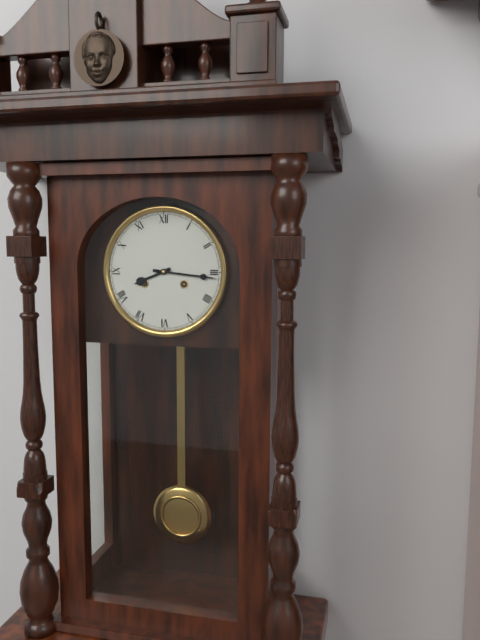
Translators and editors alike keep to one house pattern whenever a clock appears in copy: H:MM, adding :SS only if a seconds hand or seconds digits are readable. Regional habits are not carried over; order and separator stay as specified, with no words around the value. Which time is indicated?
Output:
8:16
